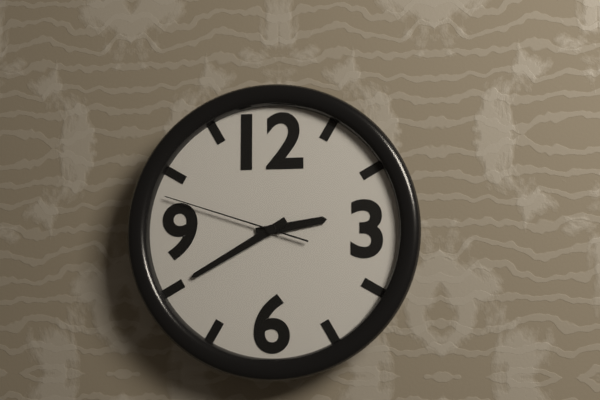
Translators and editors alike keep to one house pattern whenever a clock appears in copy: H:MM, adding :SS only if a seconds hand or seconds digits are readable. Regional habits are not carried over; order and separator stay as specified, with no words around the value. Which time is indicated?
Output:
2:40:48
